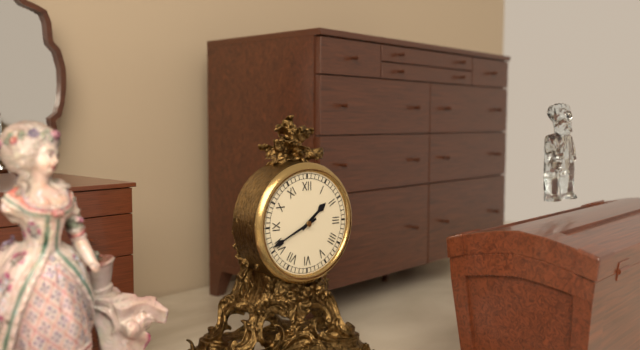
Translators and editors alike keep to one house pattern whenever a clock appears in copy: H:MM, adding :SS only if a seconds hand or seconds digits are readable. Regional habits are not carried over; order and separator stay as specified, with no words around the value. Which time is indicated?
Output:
1:41
